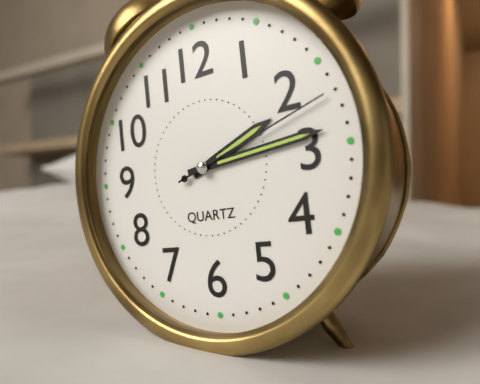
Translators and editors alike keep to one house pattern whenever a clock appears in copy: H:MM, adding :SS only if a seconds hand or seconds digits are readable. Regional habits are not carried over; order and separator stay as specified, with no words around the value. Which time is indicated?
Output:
2:14:12
